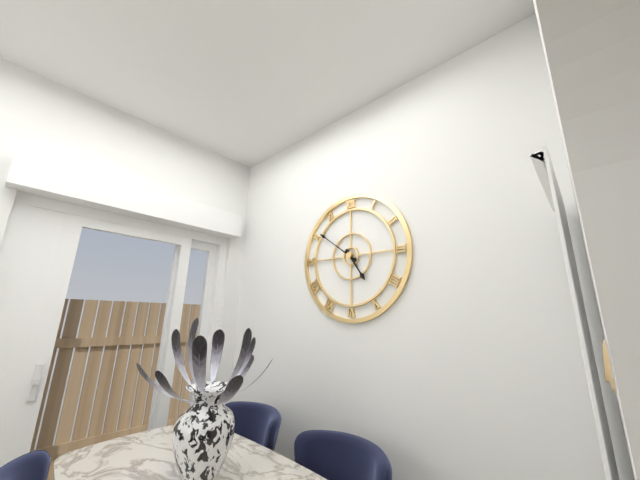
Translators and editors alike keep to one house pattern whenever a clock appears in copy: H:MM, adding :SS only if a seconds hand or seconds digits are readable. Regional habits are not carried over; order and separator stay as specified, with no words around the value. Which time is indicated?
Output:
4:51
